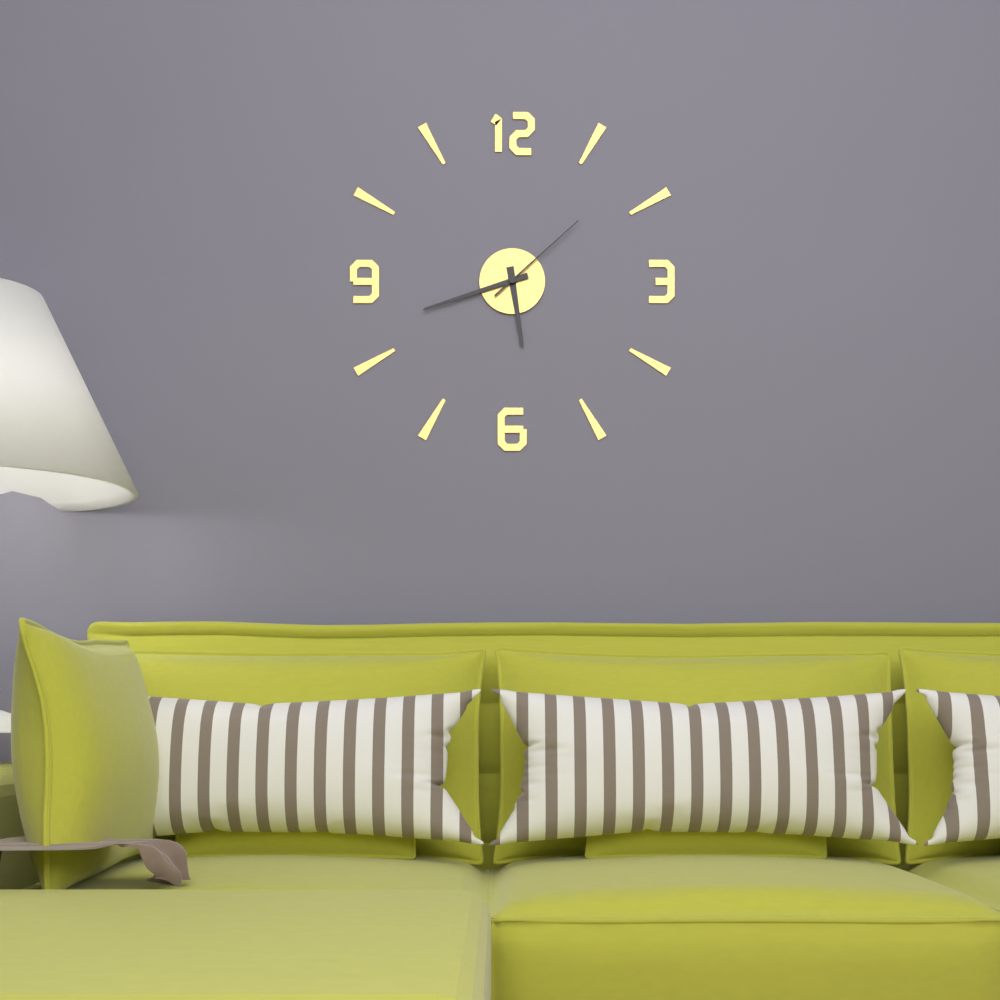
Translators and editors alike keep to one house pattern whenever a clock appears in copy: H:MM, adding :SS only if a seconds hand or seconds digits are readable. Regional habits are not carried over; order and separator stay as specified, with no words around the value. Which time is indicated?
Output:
5:42:08
